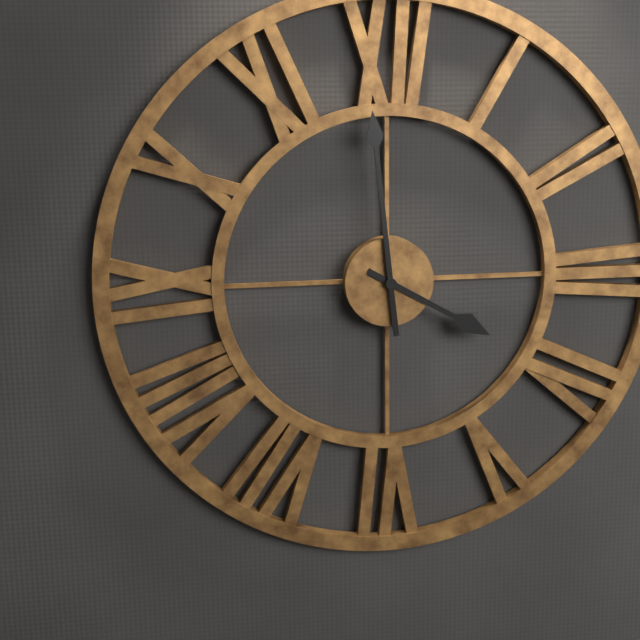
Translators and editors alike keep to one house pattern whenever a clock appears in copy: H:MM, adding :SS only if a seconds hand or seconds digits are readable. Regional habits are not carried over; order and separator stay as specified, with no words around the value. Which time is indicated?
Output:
3:59
